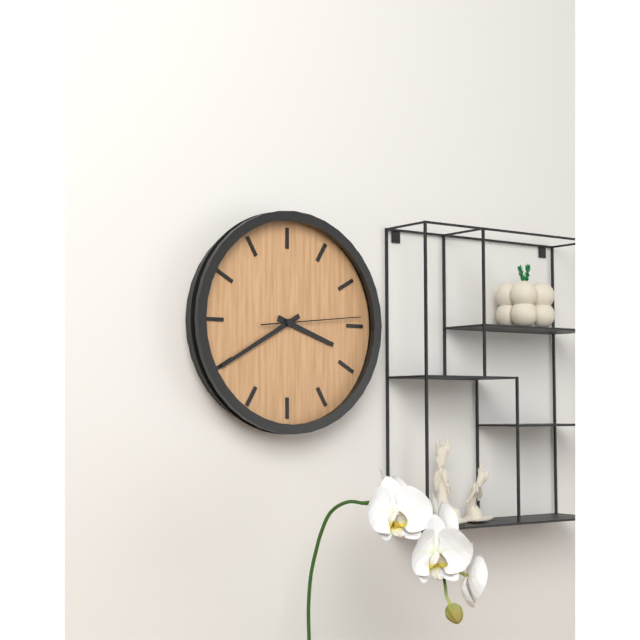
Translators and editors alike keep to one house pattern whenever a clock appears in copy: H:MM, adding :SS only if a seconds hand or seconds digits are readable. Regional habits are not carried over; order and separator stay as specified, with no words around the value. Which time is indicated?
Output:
3:40:14
